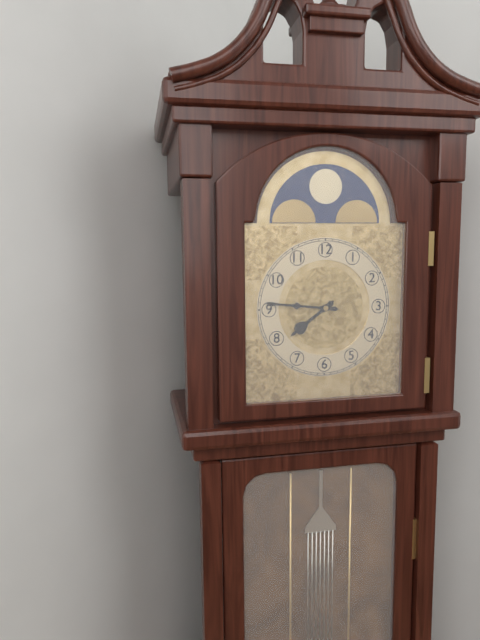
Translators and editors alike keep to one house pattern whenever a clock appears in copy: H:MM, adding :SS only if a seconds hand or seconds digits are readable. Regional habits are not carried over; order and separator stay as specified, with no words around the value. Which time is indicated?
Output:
7:46
